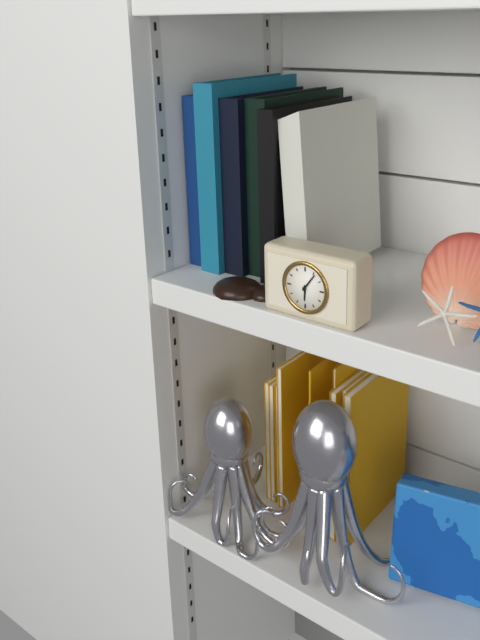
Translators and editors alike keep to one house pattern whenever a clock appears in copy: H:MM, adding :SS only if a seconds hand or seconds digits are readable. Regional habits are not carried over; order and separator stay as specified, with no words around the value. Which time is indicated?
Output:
6:06
